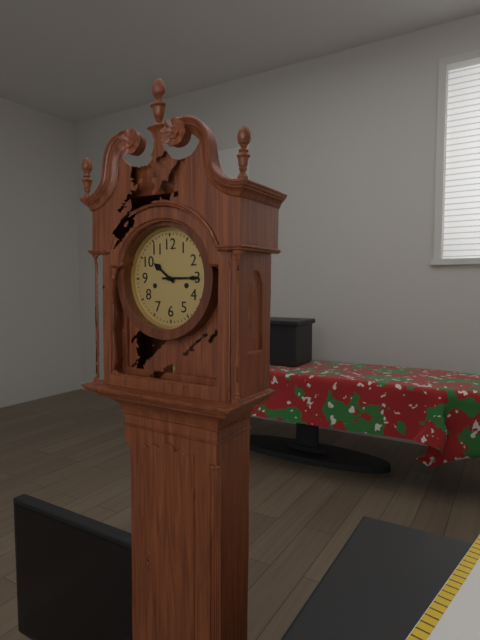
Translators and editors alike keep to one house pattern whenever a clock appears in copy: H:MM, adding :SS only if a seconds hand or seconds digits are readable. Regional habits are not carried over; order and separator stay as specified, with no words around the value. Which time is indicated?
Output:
10:15
